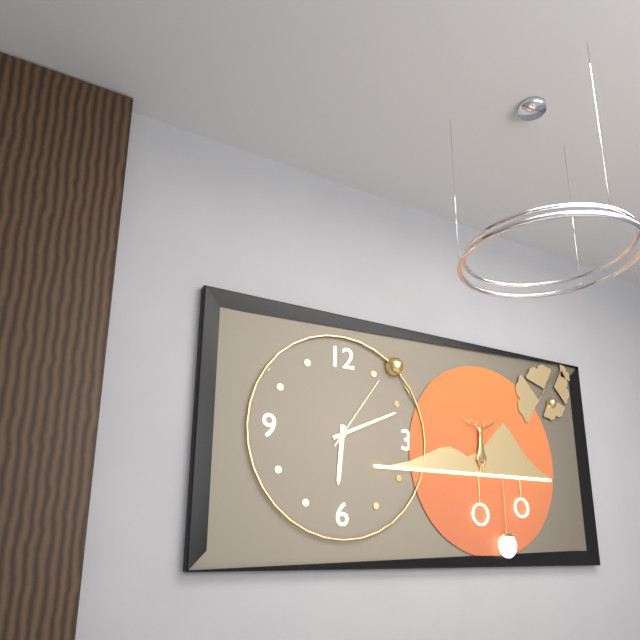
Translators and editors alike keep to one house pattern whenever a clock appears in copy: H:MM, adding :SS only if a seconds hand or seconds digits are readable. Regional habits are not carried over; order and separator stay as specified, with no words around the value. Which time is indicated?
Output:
6:11:06
